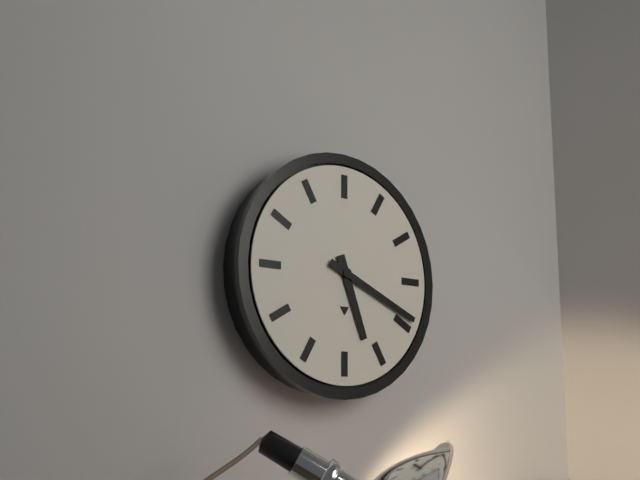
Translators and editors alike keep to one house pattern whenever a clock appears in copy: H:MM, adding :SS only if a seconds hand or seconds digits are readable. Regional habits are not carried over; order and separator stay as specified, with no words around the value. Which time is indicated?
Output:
5:19
